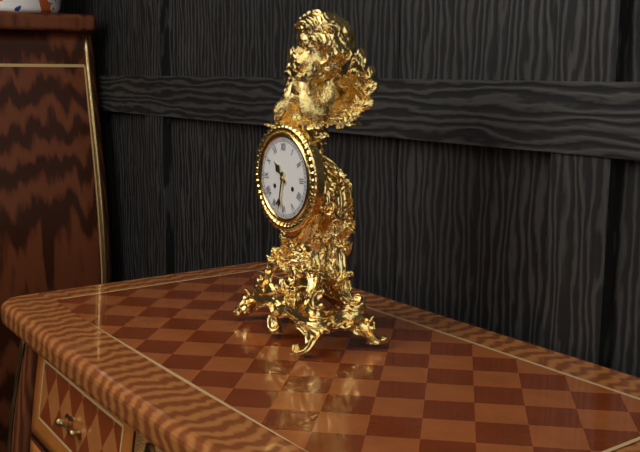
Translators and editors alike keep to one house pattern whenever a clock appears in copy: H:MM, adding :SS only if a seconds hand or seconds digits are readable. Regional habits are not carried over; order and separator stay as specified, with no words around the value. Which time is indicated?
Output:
10:32
